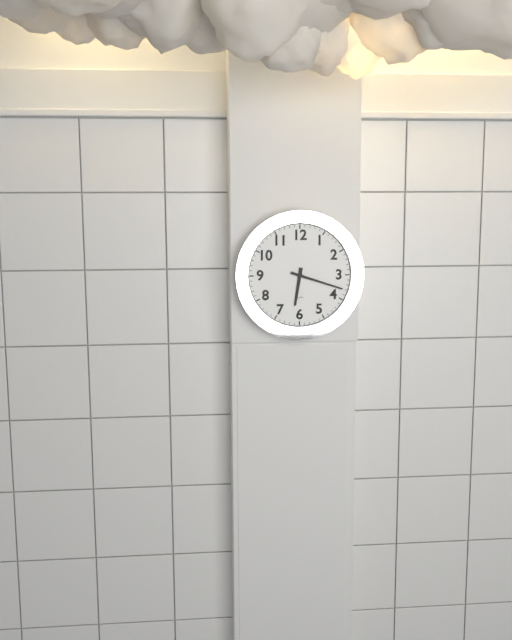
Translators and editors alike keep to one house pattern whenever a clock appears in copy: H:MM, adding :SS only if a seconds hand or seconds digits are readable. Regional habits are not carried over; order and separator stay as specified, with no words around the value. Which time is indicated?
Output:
6:18
